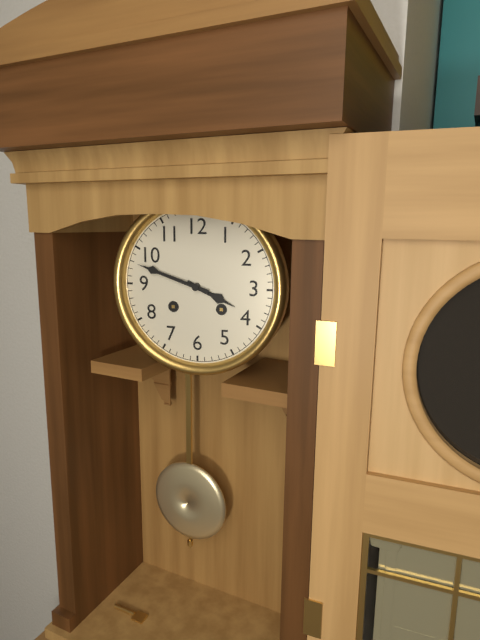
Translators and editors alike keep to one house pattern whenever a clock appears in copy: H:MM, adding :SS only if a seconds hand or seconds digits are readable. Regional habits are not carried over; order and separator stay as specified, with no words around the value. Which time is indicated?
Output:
3:48
